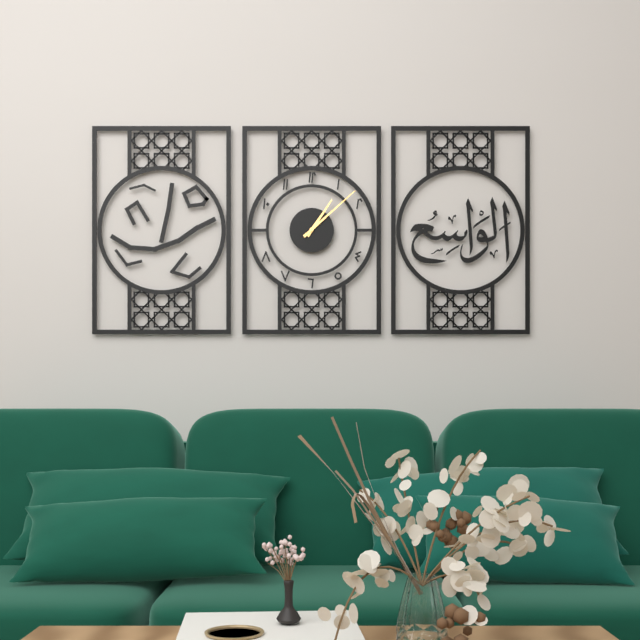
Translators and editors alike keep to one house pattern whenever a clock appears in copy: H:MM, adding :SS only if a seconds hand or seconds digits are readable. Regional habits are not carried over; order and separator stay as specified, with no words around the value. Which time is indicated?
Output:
1:08
